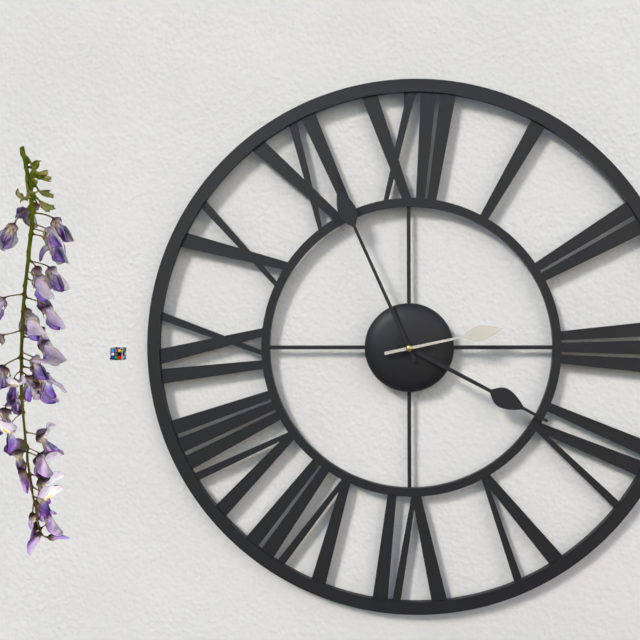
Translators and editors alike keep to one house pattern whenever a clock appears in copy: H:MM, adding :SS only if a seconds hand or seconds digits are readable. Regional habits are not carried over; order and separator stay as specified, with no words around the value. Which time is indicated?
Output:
3:56:13
